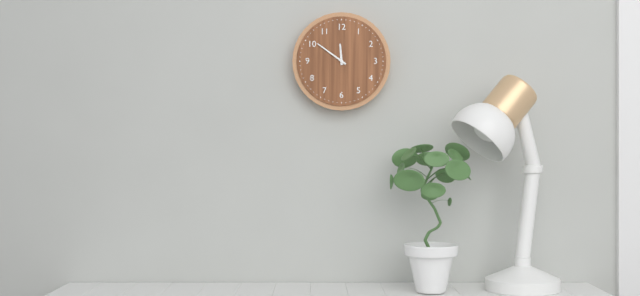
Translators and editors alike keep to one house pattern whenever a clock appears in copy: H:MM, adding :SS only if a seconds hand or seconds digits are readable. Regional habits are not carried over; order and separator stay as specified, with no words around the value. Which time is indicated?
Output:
11:51
